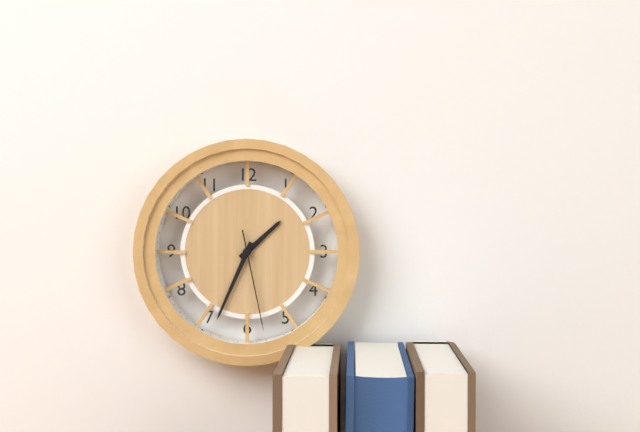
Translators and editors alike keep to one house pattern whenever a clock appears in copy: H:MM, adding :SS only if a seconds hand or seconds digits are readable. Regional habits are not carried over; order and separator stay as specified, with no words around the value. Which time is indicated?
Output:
1:34:28
